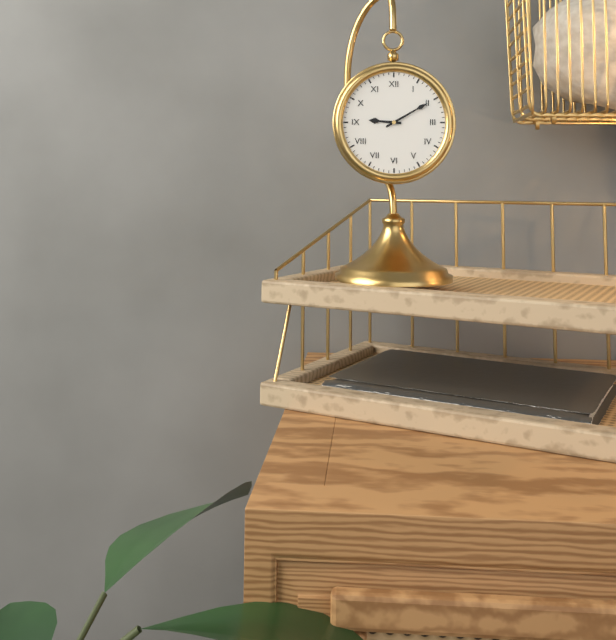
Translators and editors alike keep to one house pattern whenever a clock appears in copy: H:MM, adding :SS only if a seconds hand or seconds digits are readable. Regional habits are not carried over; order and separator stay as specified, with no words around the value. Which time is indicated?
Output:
9:10
